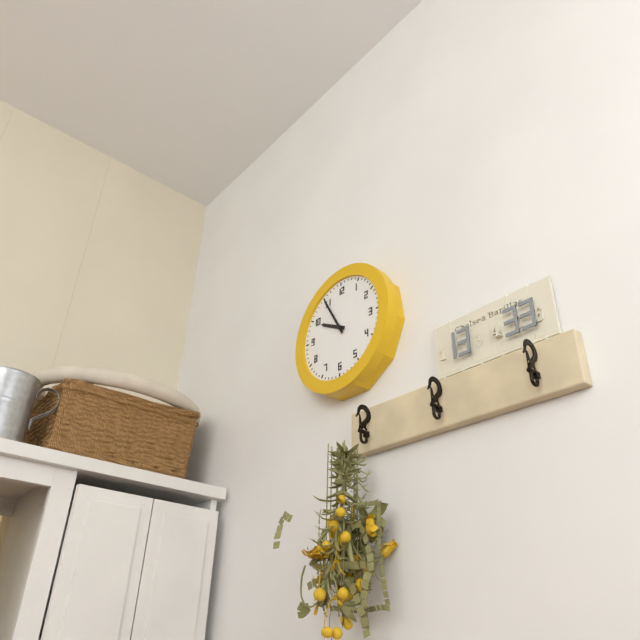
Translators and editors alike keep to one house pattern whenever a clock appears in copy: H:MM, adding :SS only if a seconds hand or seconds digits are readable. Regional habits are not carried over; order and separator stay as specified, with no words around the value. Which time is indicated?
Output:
9:55
